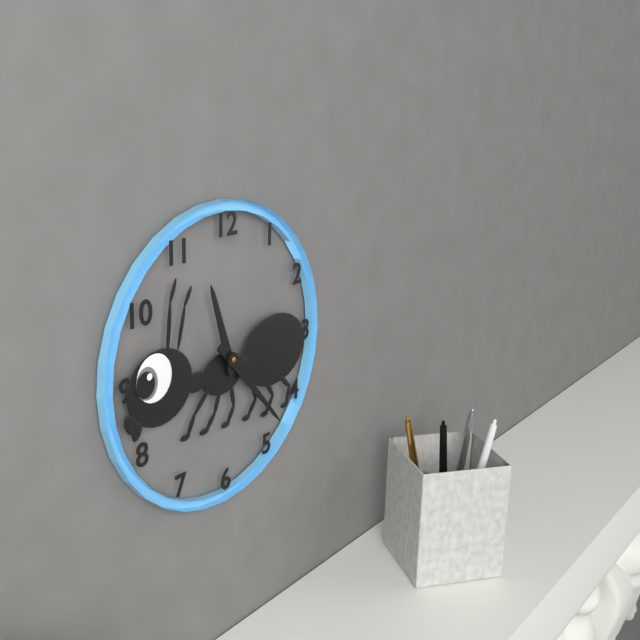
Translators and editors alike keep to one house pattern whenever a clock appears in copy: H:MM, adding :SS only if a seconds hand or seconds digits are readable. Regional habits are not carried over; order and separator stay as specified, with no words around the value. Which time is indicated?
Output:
11:23
